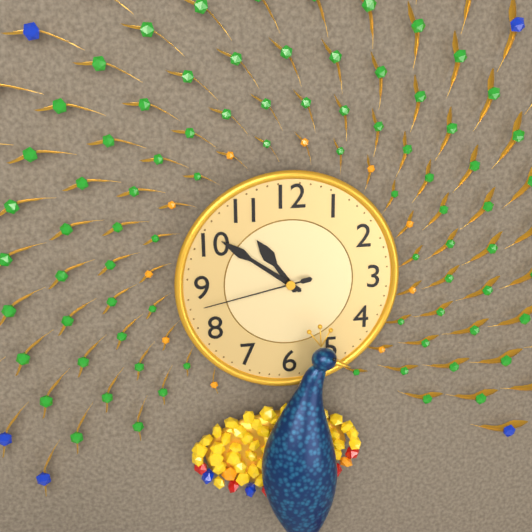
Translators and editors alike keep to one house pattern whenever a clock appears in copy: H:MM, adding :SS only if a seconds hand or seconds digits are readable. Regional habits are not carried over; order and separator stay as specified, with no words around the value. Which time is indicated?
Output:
10:51:43
